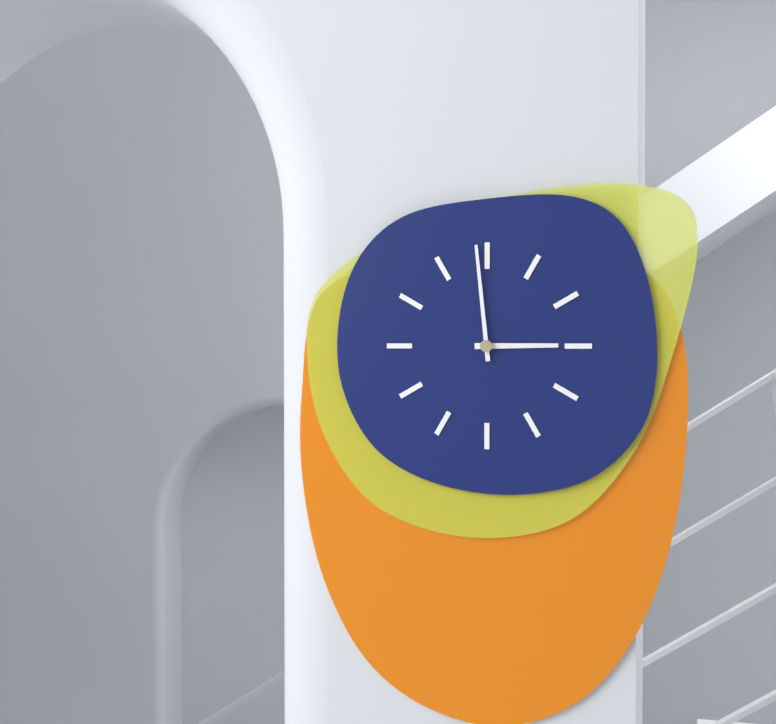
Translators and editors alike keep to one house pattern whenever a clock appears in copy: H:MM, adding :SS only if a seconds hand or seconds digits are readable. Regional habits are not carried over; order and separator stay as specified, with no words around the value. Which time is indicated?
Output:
2:59
